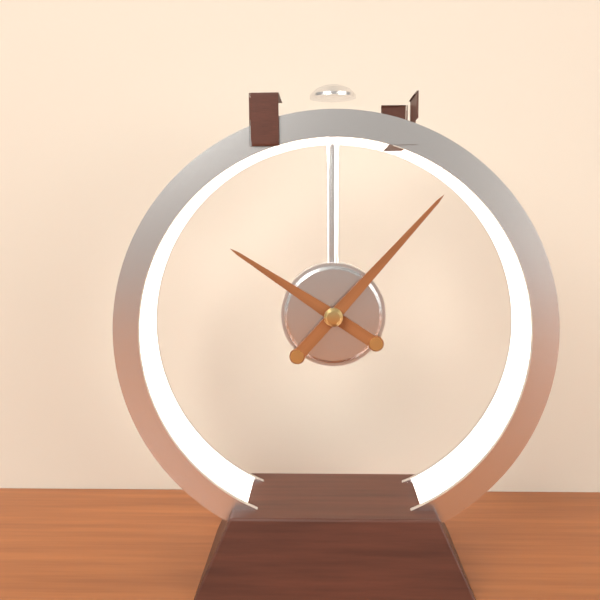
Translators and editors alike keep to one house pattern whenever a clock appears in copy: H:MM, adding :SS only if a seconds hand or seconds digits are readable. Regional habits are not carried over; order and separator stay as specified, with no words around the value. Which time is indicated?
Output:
10:07
